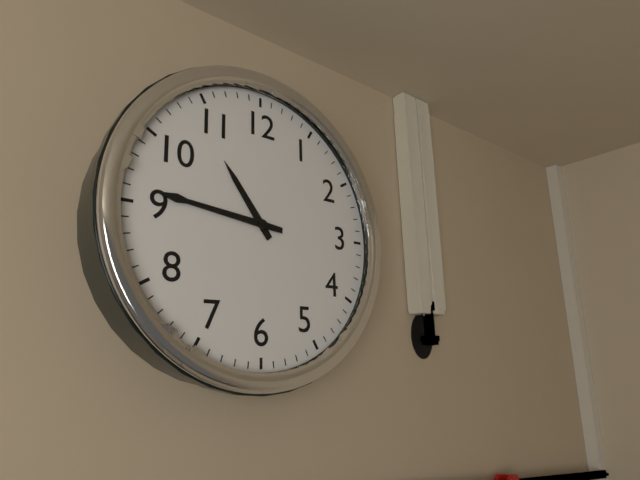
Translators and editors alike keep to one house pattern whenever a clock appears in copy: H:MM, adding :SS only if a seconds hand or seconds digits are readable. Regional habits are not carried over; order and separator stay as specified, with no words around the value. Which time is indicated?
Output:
10:46
